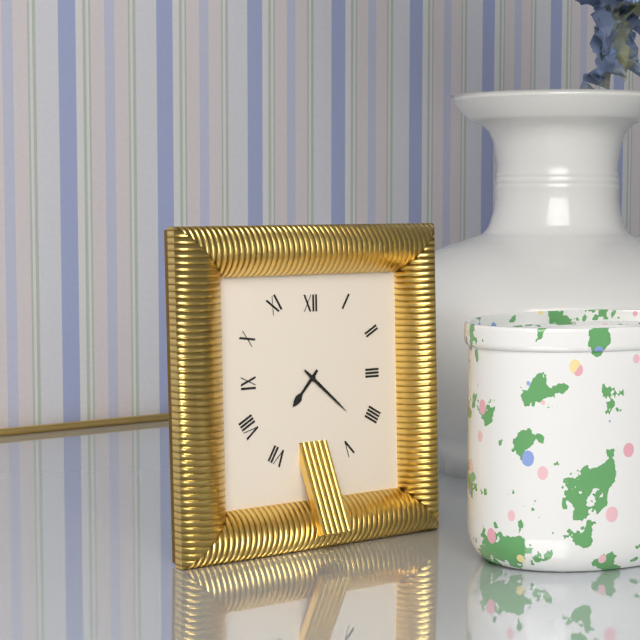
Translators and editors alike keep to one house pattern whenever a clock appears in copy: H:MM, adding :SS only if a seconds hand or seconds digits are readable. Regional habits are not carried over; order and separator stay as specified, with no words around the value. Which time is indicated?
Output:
7:22
